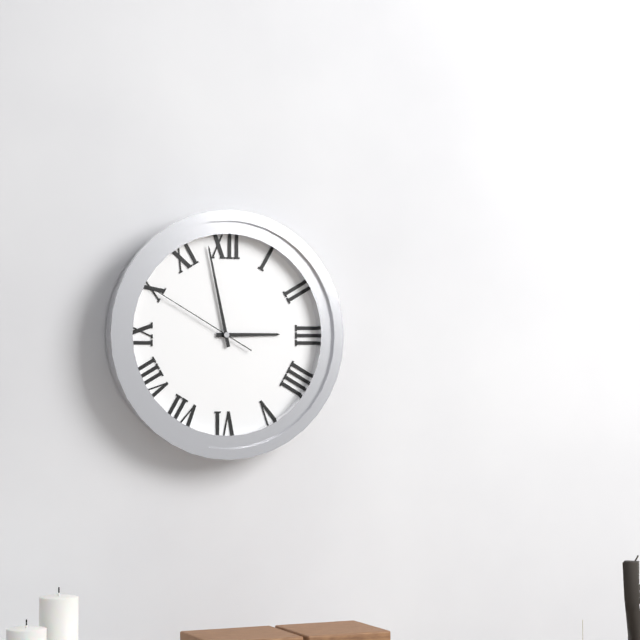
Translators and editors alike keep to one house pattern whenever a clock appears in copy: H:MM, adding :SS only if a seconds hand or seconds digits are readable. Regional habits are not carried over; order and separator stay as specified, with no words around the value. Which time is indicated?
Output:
2:58:50
